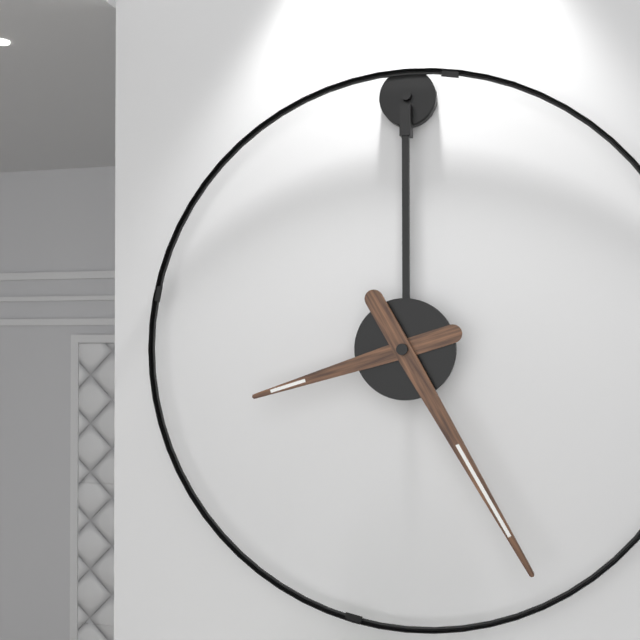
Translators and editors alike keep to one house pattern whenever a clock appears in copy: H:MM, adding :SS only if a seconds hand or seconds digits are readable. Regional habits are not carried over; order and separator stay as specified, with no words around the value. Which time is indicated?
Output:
8:25
